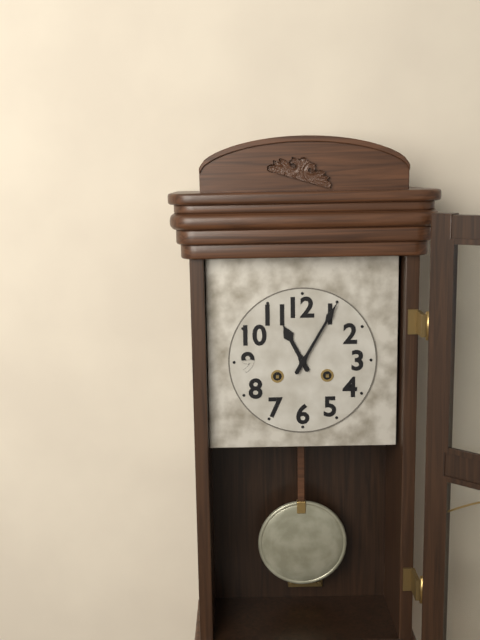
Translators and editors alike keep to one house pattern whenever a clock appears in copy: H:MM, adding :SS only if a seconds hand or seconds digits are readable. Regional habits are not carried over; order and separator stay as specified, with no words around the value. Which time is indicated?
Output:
11:05
